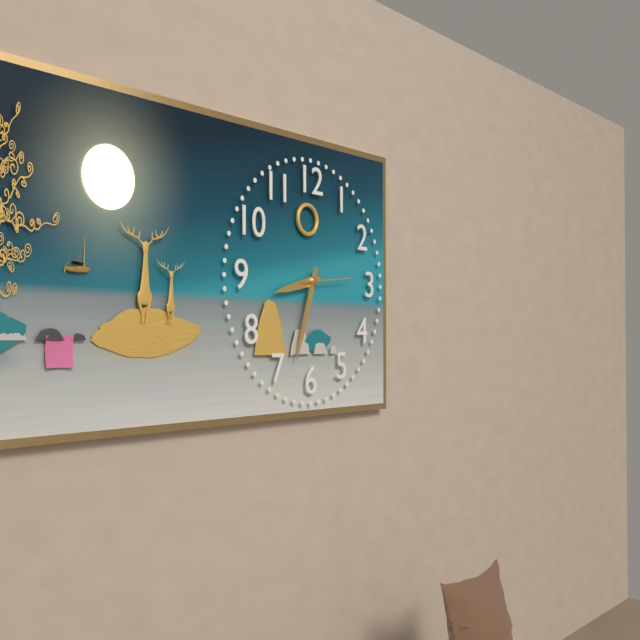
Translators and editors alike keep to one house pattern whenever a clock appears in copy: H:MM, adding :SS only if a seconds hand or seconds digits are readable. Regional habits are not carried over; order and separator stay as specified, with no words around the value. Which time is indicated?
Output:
8:33
